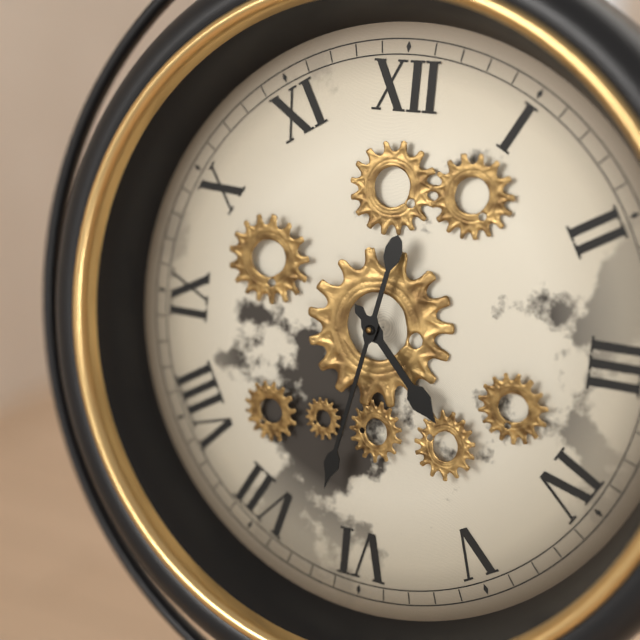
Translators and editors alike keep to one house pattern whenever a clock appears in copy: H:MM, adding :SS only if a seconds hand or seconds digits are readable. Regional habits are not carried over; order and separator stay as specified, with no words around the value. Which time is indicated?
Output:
4:32
